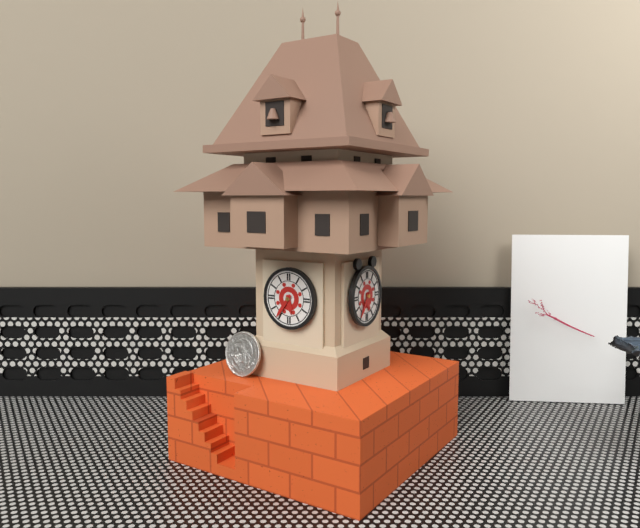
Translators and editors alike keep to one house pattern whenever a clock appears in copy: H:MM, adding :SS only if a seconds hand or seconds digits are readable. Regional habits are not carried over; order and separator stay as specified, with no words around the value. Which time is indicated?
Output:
5:36
